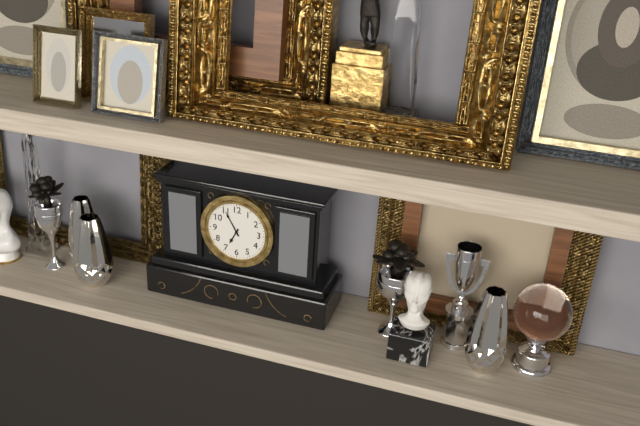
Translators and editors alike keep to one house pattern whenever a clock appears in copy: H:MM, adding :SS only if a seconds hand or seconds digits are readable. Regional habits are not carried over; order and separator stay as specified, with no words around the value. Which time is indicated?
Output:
6:55
